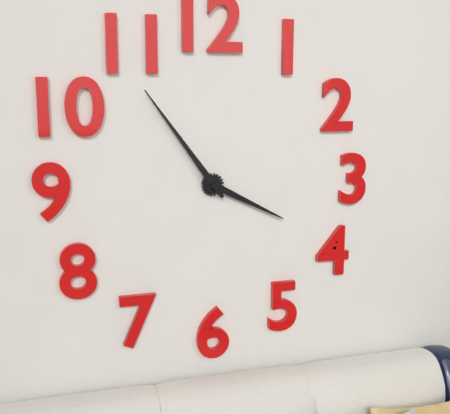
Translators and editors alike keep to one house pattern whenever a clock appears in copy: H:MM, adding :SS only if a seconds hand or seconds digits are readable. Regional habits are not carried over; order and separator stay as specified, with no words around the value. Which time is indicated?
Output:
3:54
